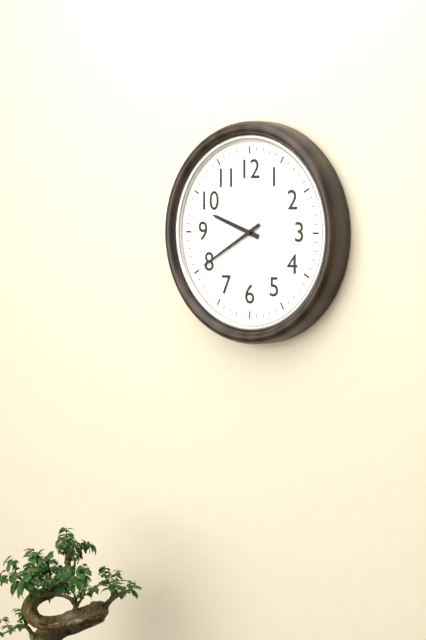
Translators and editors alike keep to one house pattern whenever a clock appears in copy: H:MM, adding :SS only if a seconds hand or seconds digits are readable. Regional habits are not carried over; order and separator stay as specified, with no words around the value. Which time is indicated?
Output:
9:40
